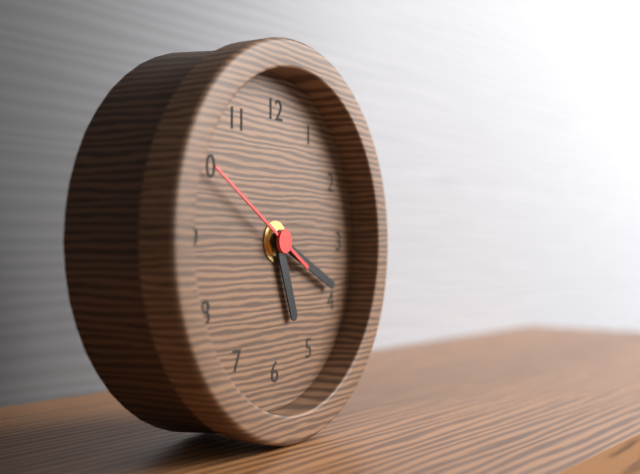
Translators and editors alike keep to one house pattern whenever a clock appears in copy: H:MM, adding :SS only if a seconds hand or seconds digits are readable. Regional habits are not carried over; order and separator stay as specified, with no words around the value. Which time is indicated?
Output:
5:19:50
